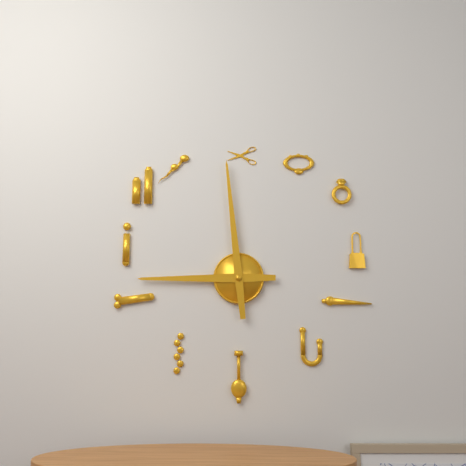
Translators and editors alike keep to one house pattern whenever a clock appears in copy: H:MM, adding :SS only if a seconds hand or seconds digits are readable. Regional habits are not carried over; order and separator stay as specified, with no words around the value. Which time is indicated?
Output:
8:59
